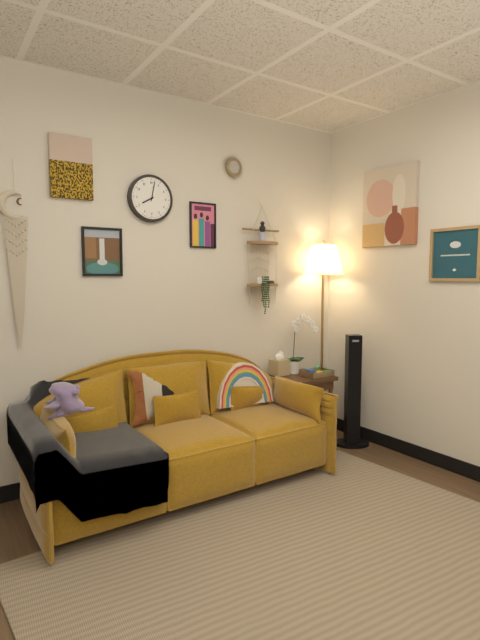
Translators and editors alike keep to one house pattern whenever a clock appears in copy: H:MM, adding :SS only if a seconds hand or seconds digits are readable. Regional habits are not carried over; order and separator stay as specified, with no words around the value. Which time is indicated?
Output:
8:02
